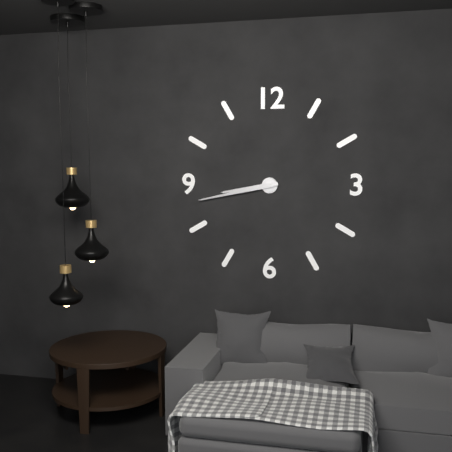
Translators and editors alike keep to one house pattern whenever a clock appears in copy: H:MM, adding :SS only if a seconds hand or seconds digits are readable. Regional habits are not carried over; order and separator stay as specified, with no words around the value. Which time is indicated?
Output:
8:43
